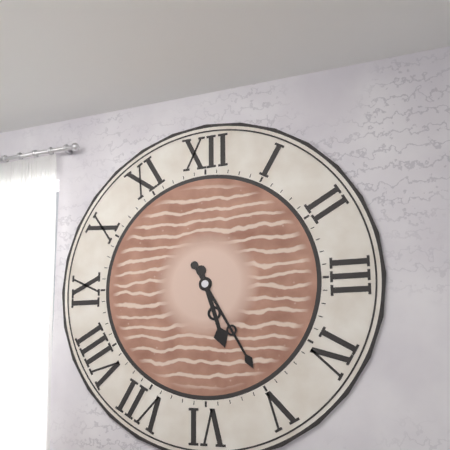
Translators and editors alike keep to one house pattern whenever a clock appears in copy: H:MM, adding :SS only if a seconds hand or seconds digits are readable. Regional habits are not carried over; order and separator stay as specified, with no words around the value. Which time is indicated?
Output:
5:25
